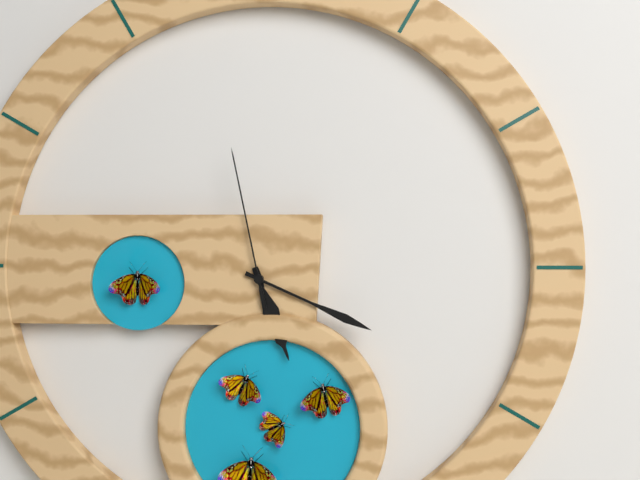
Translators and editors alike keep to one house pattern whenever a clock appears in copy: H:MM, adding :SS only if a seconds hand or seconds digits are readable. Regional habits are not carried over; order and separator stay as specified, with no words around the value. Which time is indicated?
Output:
5:19:58
